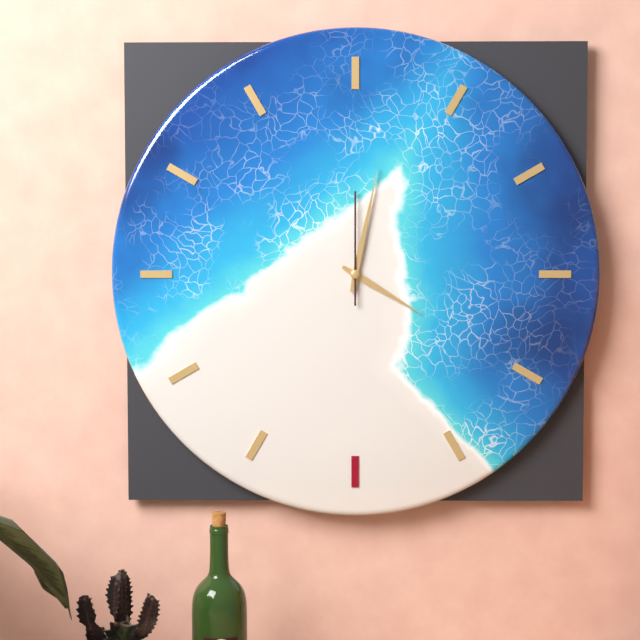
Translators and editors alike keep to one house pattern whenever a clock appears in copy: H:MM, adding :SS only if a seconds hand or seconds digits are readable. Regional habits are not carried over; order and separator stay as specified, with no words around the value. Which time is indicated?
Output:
4:02:00
